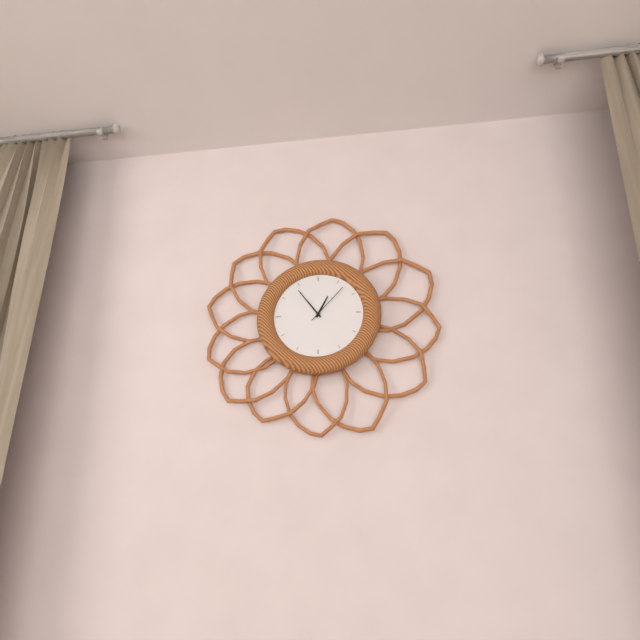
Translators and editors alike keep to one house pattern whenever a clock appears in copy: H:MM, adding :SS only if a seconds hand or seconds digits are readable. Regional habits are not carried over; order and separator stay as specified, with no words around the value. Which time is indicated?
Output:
12:54
